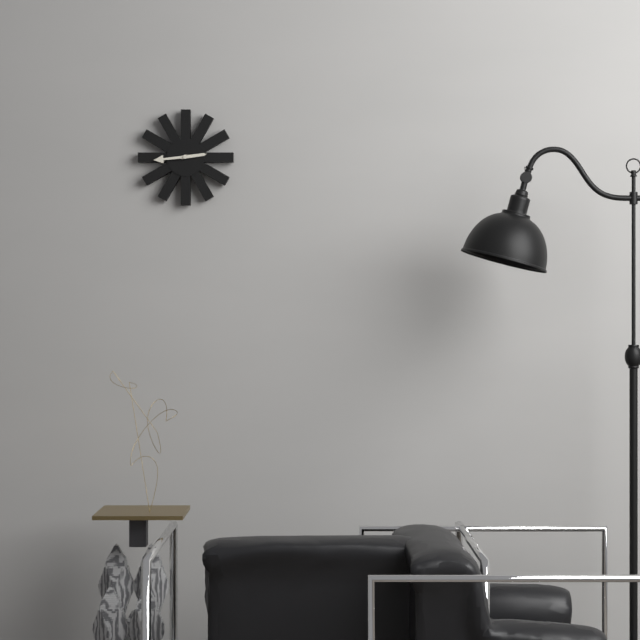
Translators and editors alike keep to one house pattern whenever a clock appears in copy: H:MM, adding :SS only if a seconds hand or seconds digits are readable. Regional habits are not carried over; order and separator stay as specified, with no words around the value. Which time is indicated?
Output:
2:44
